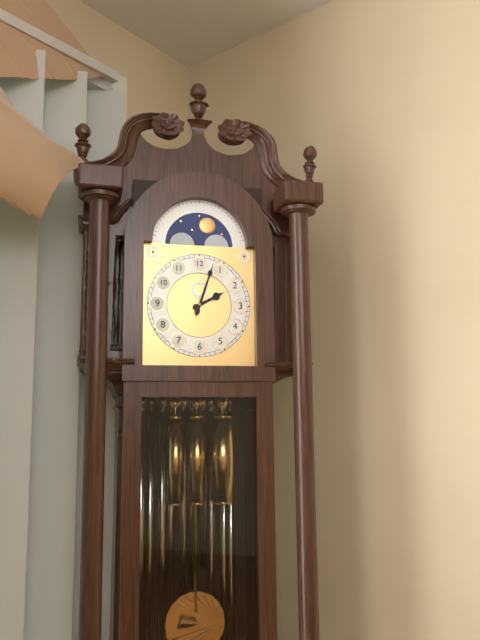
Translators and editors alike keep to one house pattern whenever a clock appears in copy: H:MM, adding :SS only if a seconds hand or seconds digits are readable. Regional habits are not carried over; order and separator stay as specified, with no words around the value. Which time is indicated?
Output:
2:03
